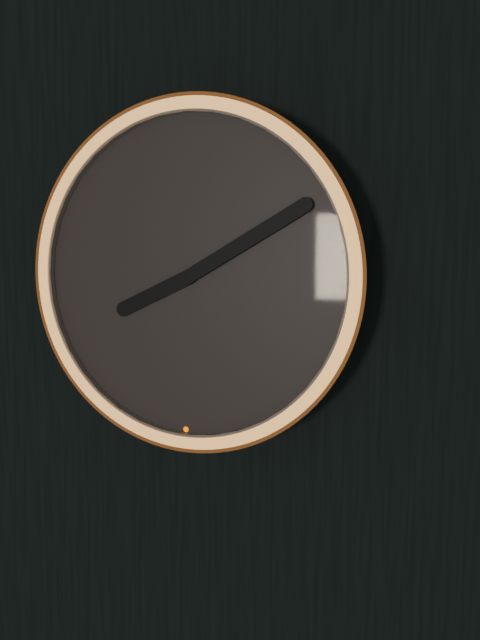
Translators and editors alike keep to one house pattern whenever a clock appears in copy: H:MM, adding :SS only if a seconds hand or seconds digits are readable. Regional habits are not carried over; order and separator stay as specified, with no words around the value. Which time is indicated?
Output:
8:10
